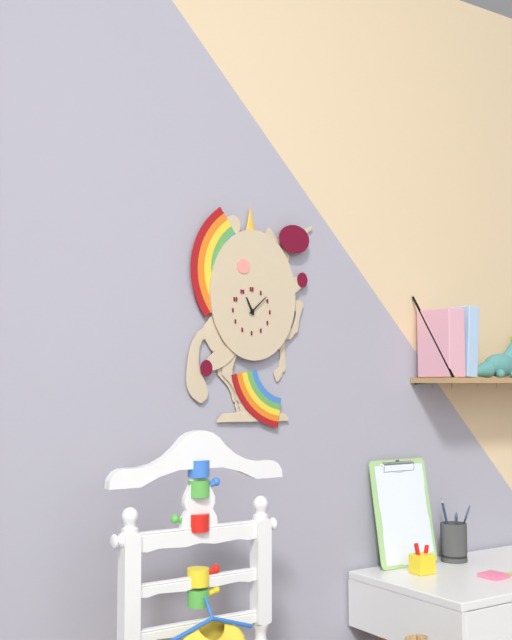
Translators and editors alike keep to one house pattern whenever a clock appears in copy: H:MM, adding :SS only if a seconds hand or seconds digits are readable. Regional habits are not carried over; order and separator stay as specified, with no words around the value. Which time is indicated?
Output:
11:08
